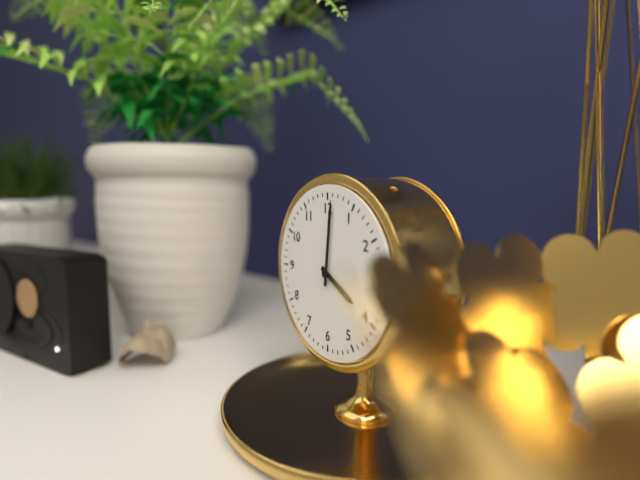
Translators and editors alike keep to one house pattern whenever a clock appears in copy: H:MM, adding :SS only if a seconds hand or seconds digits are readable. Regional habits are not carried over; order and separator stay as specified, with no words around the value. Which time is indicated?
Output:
4:01
